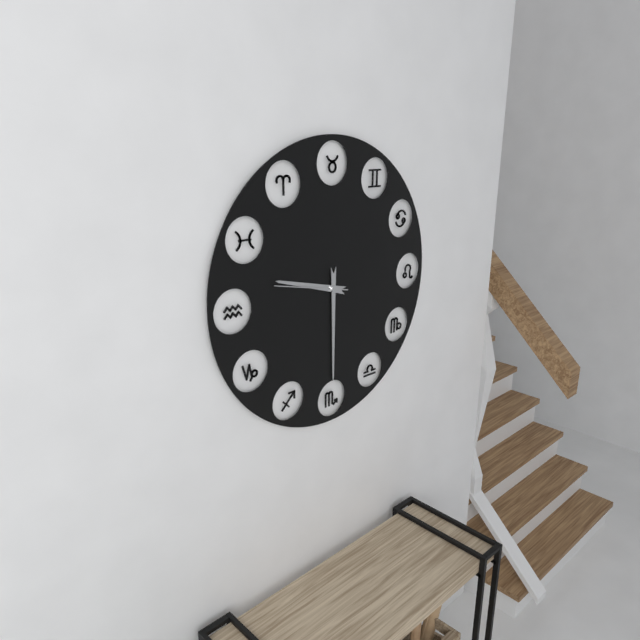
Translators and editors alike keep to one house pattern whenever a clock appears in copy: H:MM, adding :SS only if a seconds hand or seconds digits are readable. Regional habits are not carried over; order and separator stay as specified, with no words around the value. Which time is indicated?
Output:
9:30:47
